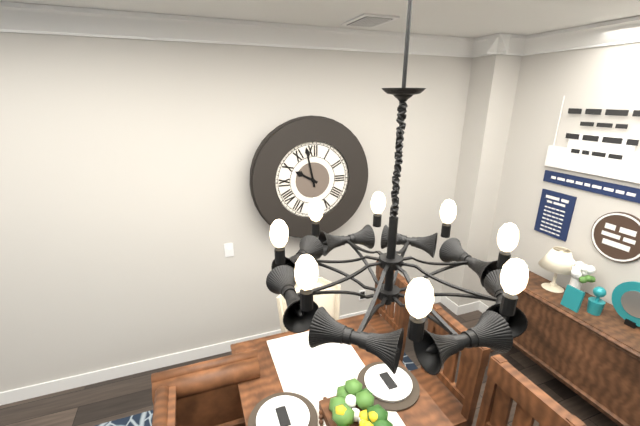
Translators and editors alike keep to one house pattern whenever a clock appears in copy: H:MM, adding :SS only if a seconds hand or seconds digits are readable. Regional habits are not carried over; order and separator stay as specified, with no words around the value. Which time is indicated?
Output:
9:58
